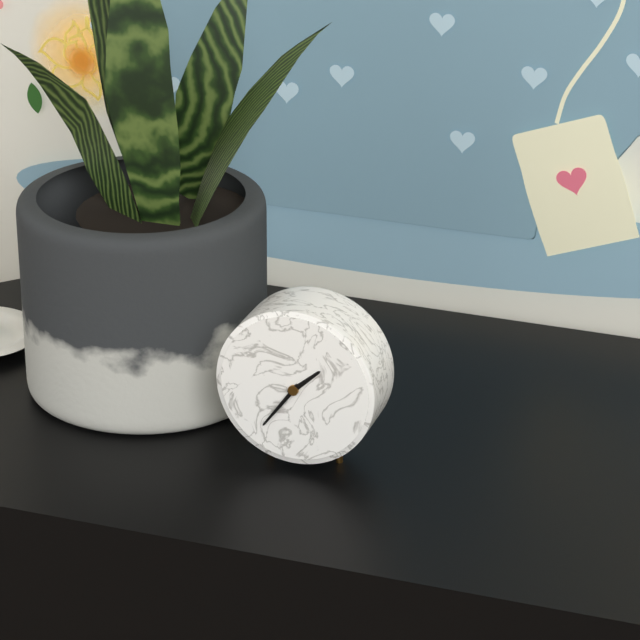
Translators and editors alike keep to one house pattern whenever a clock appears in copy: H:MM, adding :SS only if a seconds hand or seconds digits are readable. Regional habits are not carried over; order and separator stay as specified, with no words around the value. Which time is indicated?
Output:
1:36
